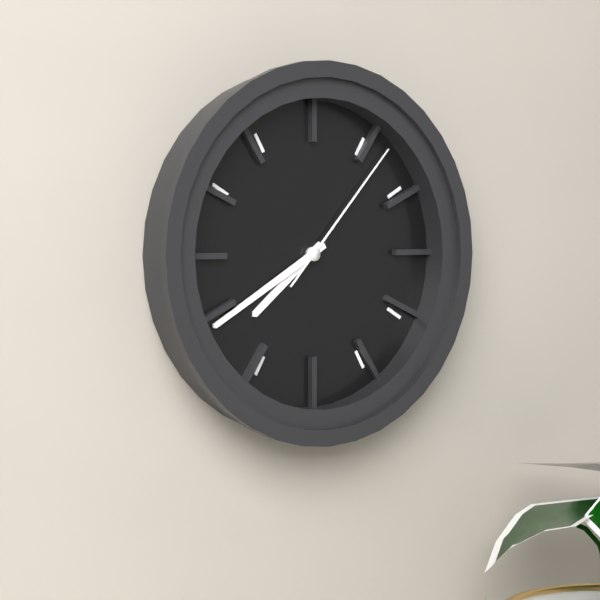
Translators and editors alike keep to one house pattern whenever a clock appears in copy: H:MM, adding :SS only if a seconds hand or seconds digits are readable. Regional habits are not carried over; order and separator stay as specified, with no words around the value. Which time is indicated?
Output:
7:40:07
